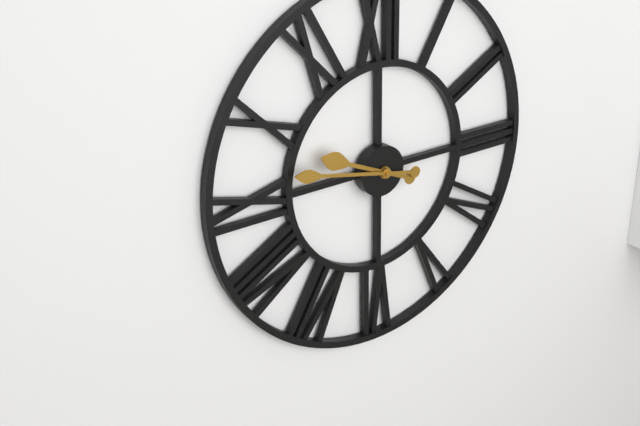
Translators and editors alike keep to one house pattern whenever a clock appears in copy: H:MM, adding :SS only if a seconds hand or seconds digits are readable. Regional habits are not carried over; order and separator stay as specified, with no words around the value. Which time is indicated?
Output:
9:47
